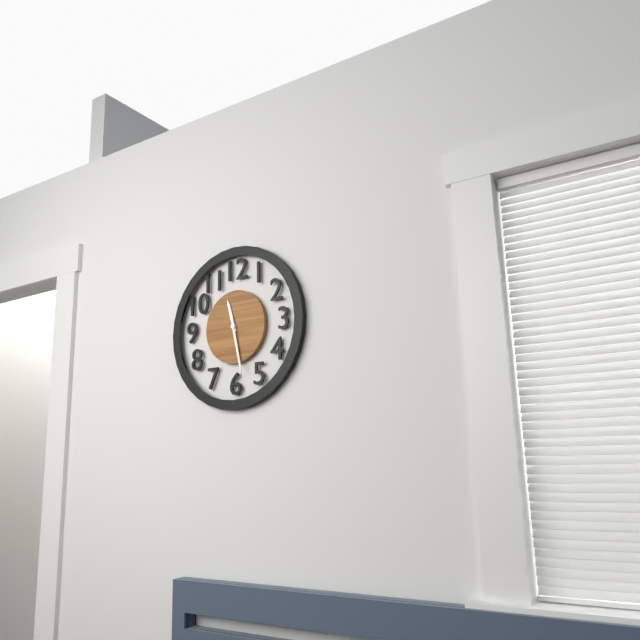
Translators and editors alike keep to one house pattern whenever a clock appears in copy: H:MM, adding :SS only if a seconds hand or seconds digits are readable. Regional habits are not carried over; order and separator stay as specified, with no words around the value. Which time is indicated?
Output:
11:28
